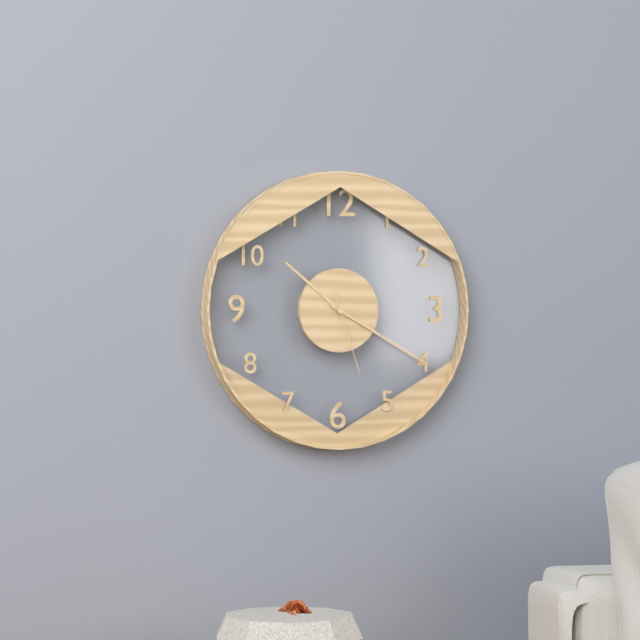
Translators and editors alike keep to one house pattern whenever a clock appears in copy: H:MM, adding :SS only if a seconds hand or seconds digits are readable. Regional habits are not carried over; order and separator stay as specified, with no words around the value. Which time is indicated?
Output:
10:20:27
